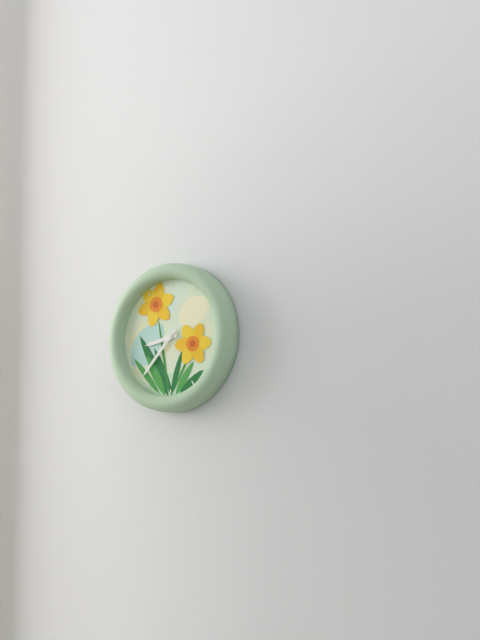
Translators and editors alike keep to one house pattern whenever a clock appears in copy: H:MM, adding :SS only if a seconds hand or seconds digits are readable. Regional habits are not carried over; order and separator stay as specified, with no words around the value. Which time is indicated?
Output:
8:37
